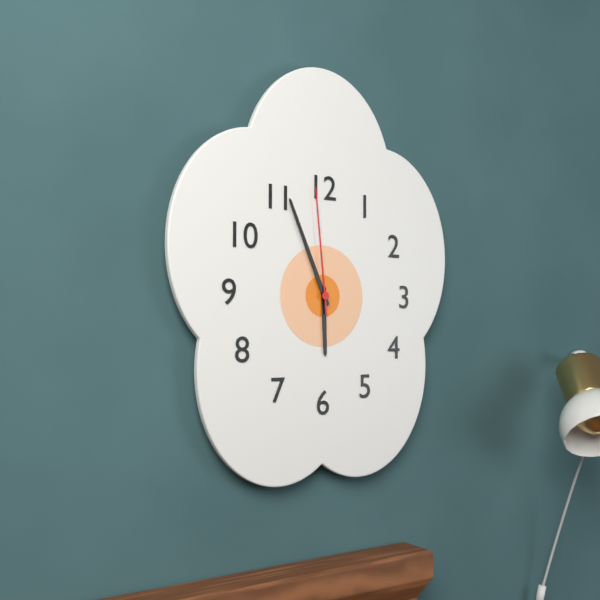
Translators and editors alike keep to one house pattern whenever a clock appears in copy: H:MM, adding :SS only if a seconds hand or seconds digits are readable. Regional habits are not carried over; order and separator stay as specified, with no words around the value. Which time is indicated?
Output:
5:56:59
